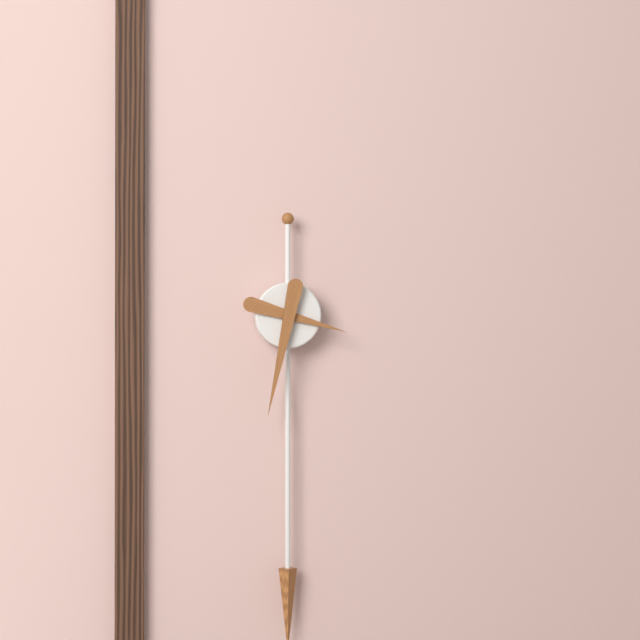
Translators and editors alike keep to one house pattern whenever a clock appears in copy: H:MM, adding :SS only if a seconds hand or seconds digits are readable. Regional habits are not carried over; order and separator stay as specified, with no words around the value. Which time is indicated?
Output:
3:32
